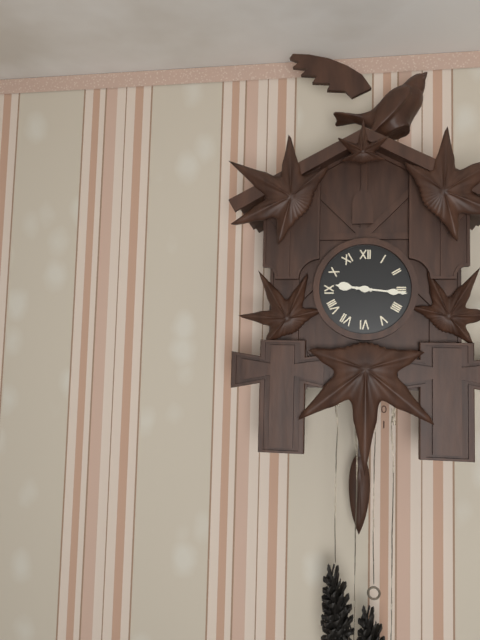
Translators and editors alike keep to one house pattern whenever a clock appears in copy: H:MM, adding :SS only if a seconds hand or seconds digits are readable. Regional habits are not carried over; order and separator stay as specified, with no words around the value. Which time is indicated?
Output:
9:16
